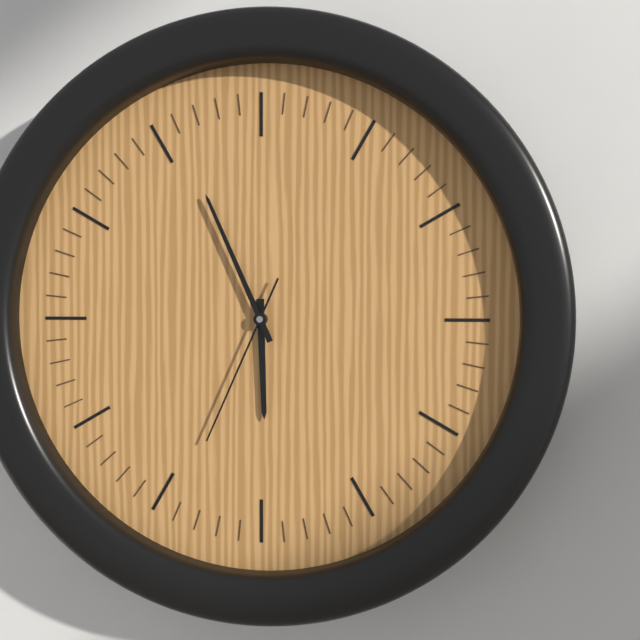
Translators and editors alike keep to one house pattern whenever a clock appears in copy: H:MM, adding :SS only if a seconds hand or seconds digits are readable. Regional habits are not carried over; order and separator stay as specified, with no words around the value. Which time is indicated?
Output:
5:56:34
